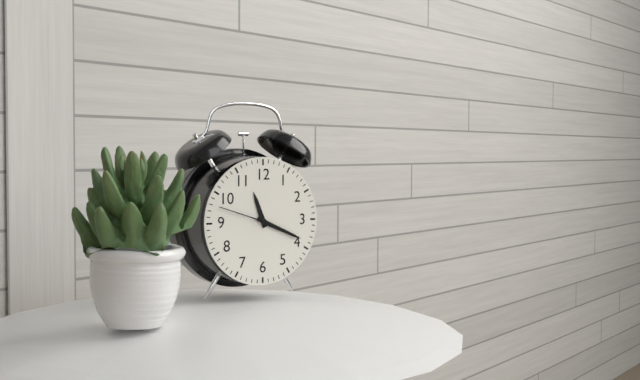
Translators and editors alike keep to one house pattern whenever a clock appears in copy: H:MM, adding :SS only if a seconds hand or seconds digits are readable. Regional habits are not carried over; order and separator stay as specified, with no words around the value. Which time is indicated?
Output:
11:19:48
